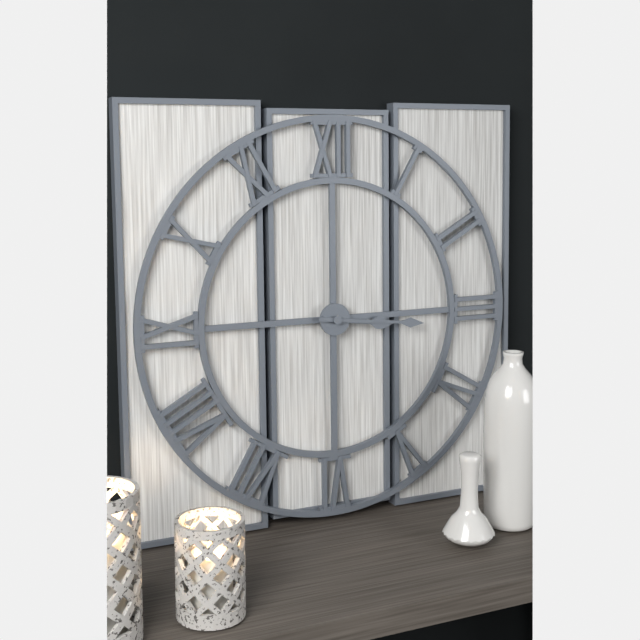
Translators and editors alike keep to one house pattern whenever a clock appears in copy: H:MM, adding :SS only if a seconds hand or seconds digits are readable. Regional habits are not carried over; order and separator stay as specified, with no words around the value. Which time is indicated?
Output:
3:16
